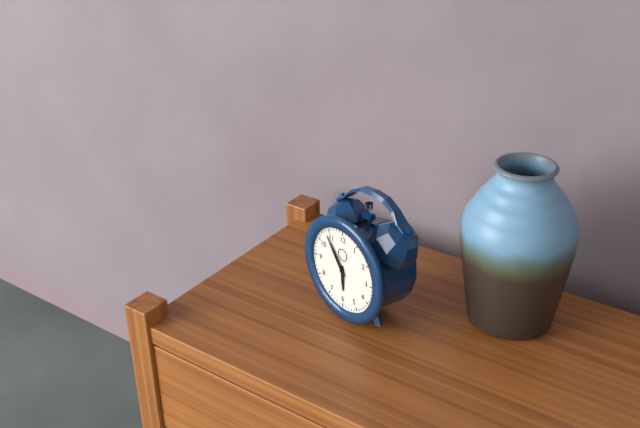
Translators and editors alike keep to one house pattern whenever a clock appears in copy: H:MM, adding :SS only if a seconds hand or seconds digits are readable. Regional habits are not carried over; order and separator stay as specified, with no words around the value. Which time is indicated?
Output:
5:54
